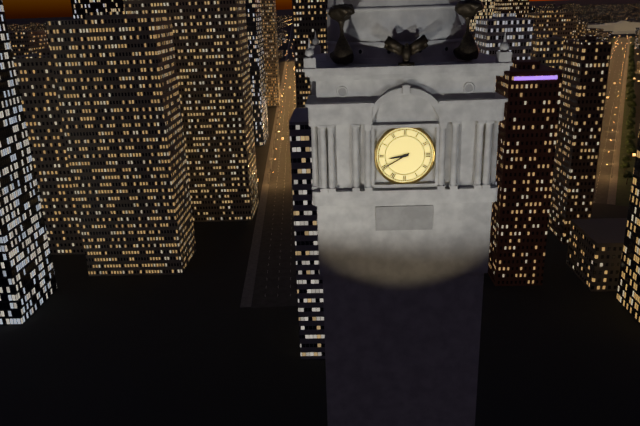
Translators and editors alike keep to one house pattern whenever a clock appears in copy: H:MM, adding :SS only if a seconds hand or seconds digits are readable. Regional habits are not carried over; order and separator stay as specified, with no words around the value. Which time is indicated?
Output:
8:40
